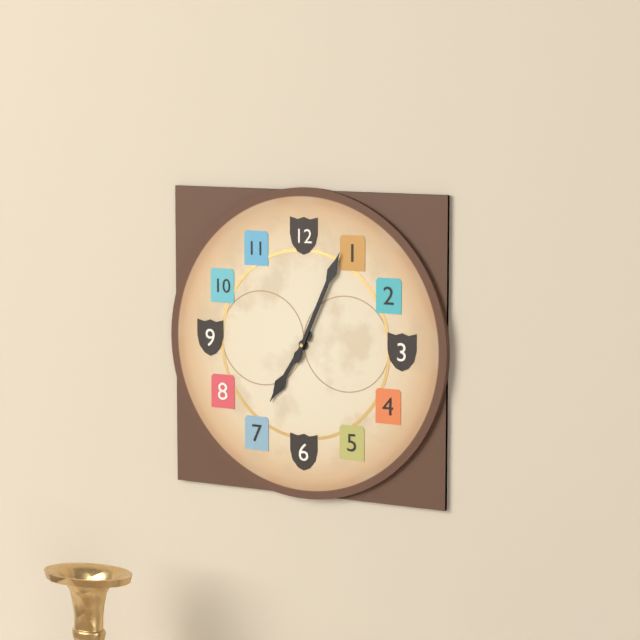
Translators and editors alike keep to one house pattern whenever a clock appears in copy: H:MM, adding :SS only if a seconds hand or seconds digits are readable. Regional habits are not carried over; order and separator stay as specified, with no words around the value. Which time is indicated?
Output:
7:04
